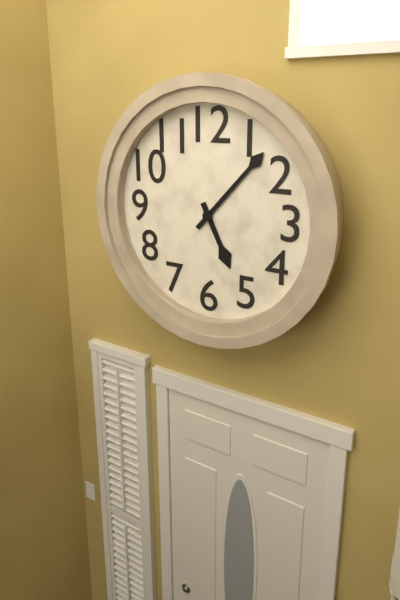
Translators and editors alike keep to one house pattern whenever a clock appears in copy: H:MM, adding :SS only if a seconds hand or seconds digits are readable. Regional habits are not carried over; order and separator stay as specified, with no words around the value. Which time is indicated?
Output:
5:07
